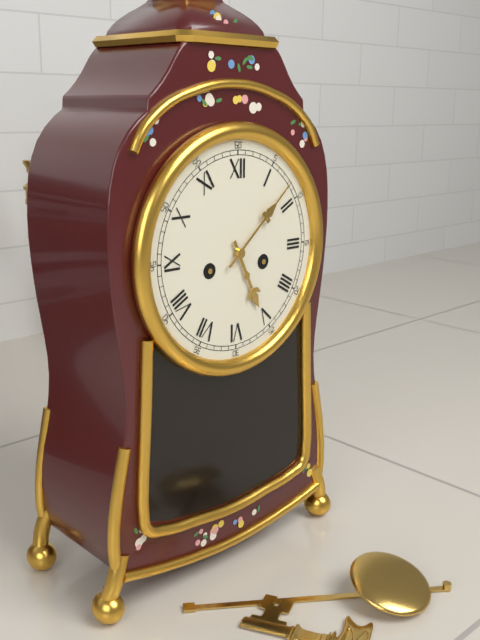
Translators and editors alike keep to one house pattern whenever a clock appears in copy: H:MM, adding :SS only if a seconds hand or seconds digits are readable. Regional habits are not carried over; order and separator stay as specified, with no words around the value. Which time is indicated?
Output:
5:08
